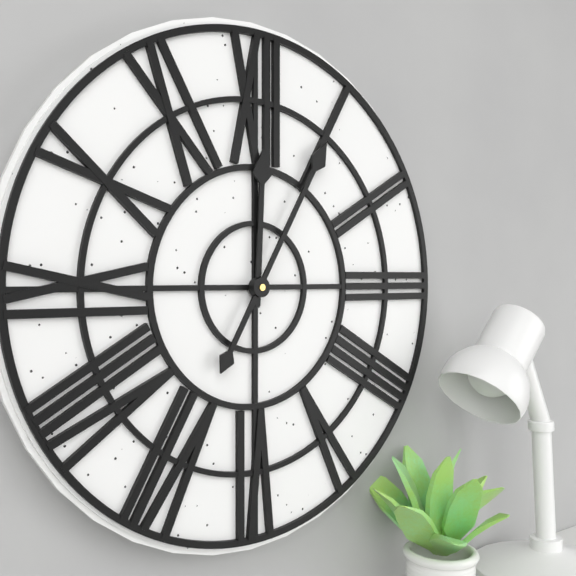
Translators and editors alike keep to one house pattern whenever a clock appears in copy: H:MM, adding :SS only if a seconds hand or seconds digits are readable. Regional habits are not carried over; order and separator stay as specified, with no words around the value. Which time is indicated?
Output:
12:05
